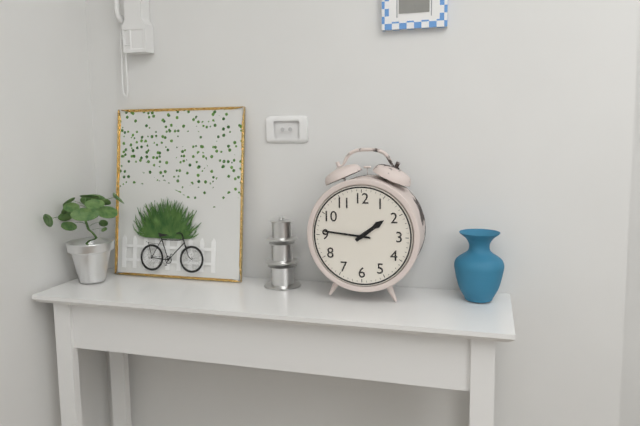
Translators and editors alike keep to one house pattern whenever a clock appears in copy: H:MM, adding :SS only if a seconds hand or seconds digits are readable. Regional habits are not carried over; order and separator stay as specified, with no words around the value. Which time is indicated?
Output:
1:46
